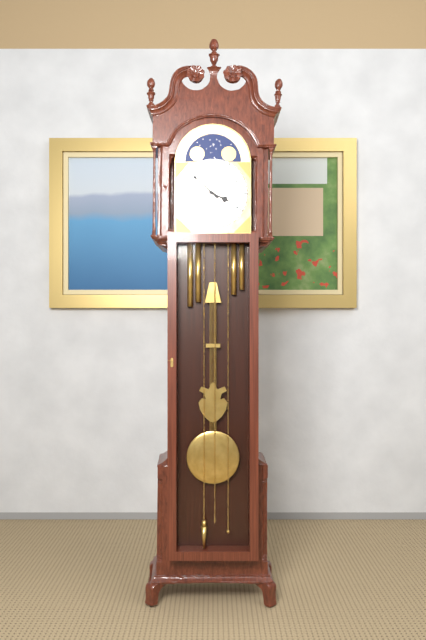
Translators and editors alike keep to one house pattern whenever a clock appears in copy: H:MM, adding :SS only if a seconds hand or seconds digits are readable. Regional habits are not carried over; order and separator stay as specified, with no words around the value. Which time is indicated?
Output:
3:52
